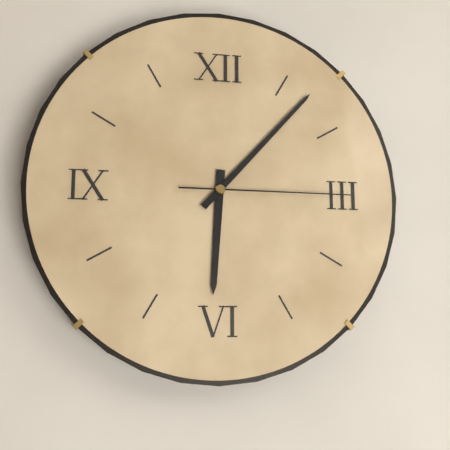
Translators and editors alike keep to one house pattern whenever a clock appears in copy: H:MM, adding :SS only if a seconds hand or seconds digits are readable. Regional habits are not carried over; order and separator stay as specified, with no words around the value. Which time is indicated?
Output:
6:07:15
